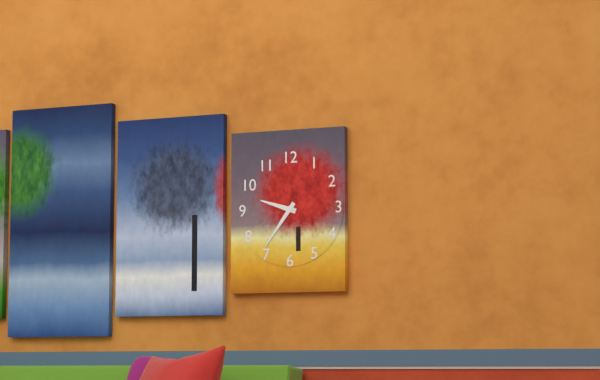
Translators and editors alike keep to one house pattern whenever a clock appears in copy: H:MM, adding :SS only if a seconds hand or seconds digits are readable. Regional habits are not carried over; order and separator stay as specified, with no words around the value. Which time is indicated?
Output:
9:36
